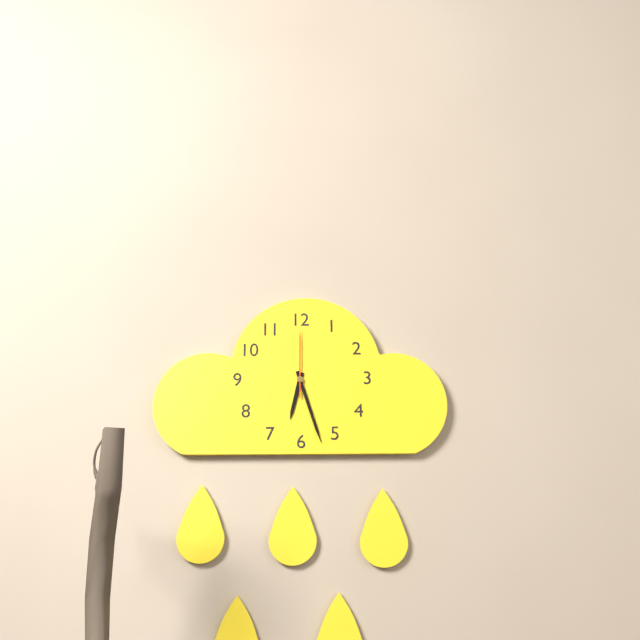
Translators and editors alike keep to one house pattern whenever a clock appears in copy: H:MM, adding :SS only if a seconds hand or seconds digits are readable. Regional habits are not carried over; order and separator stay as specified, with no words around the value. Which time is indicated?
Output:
6:27:00
